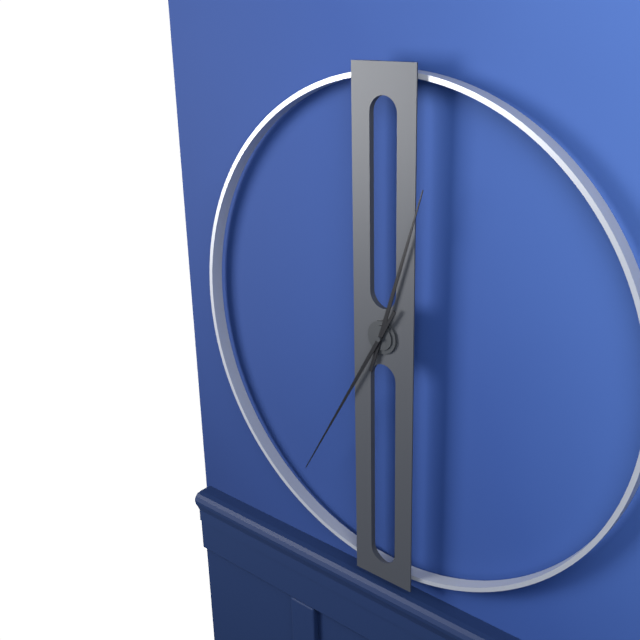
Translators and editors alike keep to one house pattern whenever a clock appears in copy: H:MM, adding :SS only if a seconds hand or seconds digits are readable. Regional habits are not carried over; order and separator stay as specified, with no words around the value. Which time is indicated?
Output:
12:35
